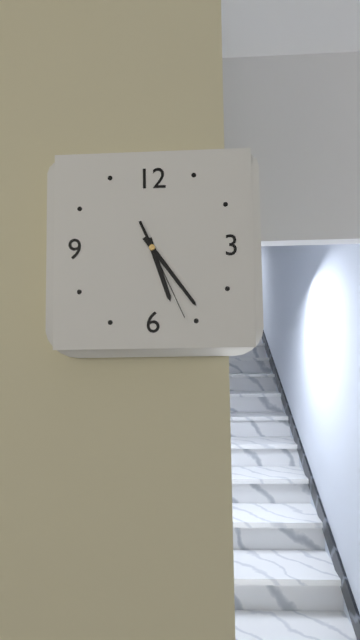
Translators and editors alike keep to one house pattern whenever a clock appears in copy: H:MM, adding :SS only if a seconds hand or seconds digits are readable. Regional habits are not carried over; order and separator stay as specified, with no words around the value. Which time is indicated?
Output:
5:24:26
